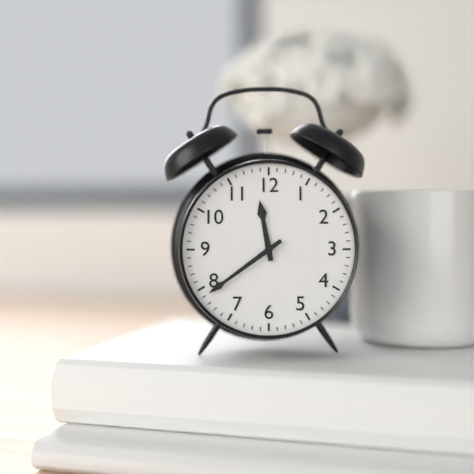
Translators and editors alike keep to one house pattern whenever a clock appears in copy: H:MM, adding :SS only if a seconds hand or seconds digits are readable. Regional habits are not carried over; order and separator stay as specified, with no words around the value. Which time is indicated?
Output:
11:39
